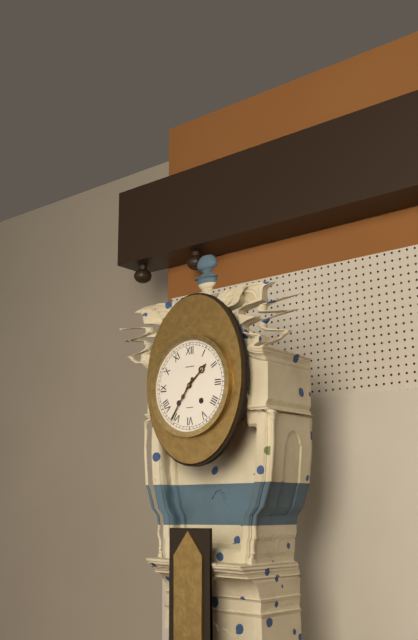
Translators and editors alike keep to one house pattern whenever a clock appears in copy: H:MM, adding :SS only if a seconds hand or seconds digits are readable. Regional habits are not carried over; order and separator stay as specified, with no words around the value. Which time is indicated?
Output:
1:36
